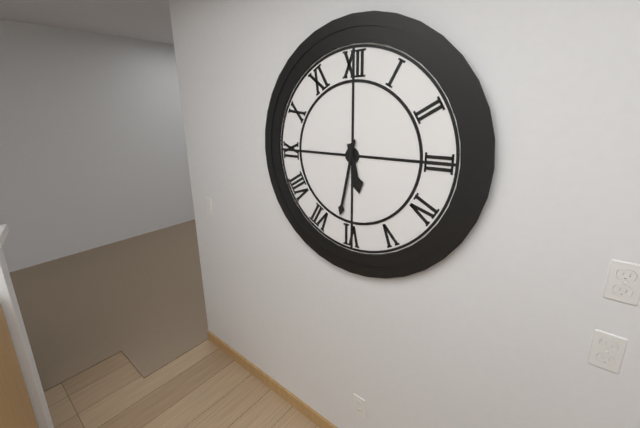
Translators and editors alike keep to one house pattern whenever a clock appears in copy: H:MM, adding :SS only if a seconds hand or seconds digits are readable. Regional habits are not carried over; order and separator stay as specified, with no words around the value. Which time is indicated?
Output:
5:32
